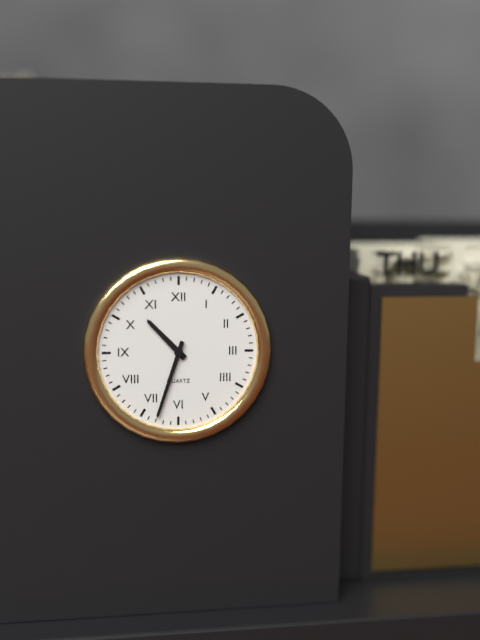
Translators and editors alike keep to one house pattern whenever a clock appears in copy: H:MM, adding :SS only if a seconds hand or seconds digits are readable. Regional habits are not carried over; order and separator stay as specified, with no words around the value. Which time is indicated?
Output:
10:33
